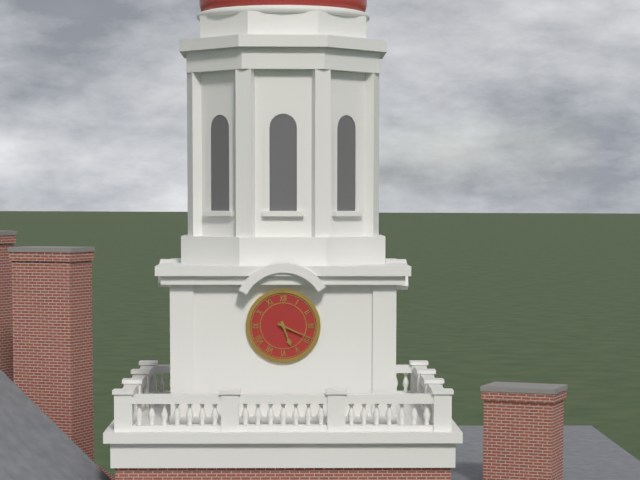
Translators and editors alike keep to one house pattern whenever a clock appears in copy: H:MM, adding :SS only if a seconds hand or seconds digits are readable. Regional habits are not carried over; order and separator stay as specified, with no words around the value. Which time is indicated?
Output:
5:19
